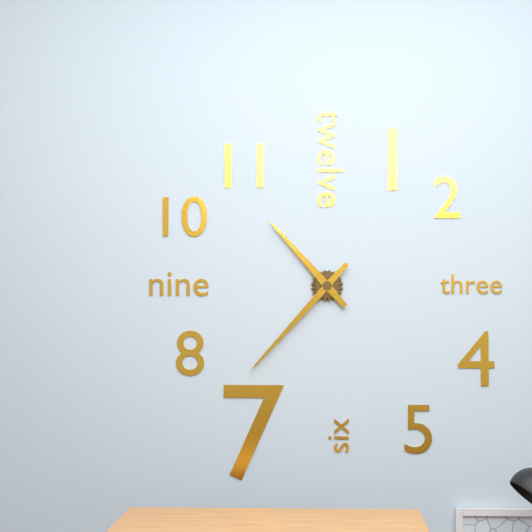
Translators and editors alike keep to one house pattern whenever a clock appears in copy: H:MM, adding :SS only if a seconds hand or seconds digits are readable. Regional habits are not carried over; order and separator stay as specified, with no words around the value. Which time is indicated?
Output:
10:37
